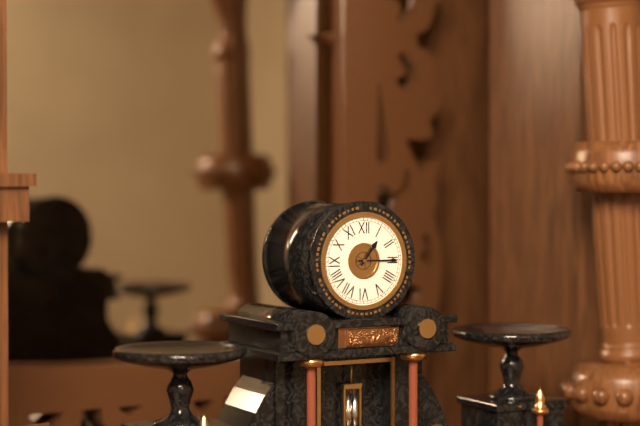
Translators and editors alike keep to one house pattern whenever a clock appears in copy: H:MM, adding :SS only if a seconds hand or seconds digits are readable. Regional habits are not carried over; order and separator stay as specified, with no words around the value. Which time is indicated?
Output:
1:15
